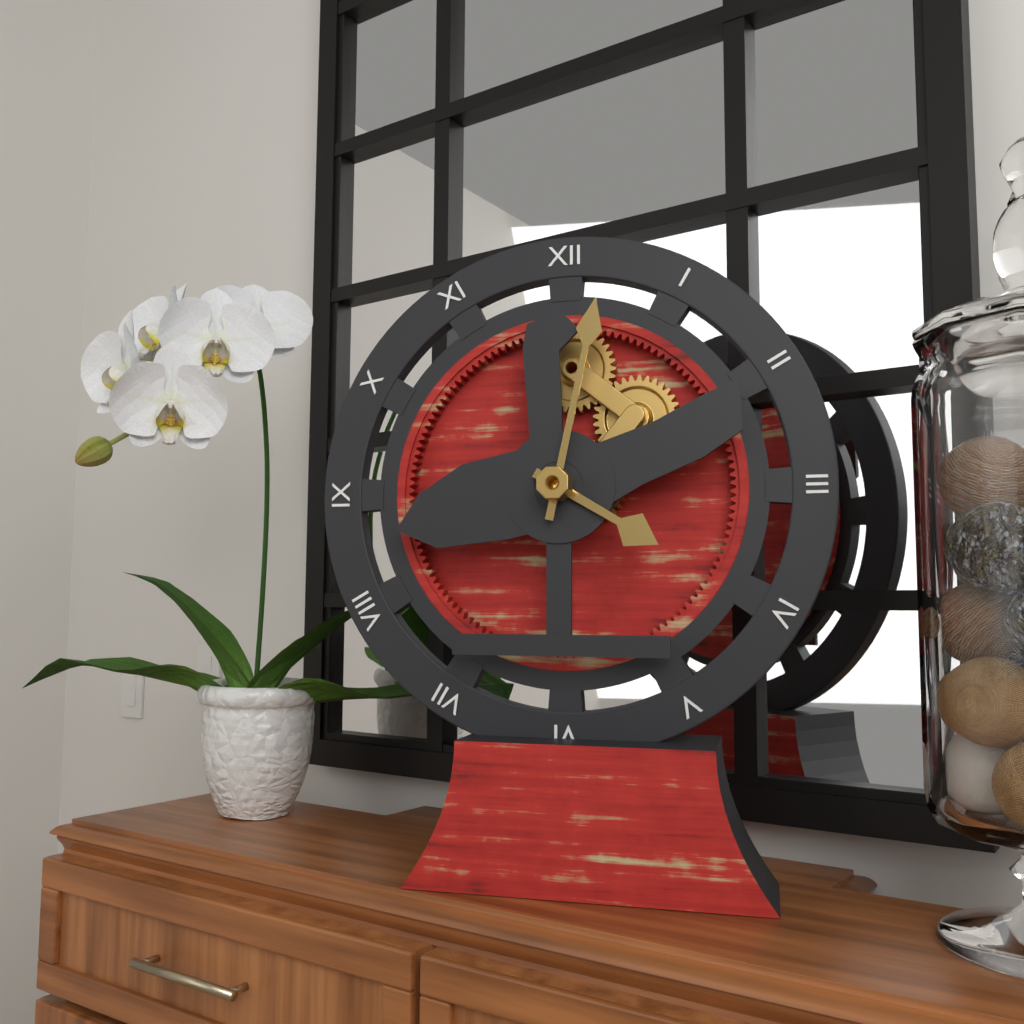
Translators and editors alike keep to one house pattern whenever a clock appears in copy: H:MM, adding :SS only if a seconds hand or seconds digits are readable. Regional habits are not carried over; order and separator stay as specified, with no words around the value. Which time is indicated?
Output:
4:02
